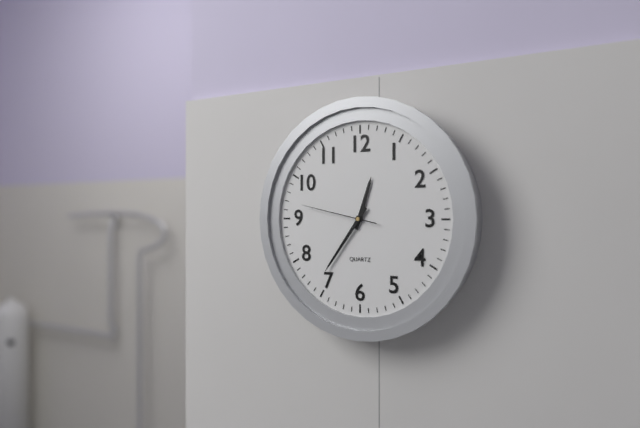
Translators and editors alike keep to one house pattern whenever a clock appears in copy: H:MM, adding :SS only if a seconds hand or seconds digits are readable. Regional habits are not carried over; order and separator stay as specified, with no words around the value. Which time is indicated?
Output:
12:36:47
